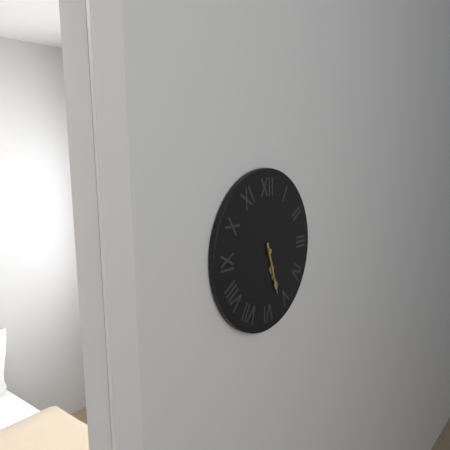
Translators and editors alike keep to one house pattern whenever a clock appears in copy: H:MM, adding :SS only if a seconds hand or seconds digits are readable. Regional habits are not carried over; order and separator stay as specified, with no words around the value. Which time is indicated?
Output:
5:27
